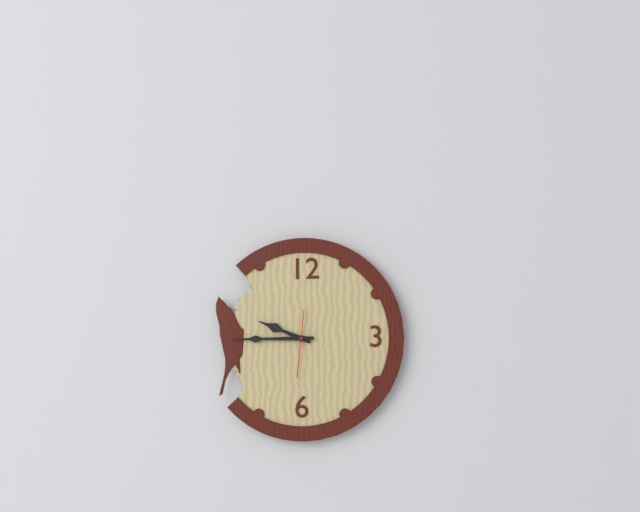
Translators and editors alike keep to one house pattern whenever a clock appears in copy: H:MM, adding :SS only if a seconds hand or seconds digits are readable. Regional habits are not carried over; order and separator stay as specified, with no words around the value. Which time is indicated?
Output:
9:45:31
